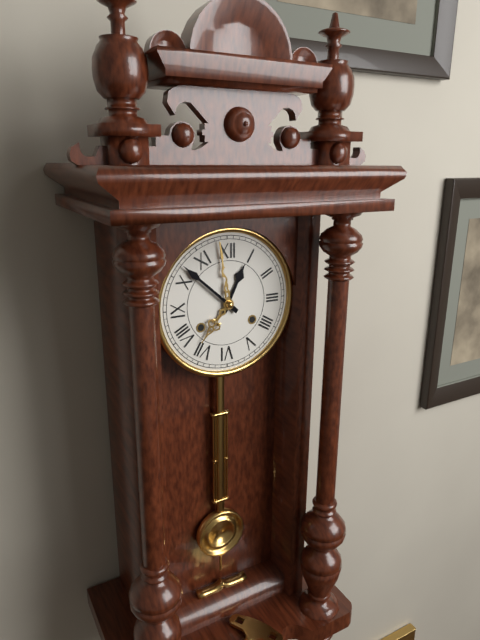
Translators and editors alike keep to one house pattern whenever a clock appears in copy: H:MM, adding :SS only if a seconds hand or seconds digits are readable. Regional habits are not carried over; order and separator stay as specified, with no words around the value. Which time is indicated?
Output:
12:52
